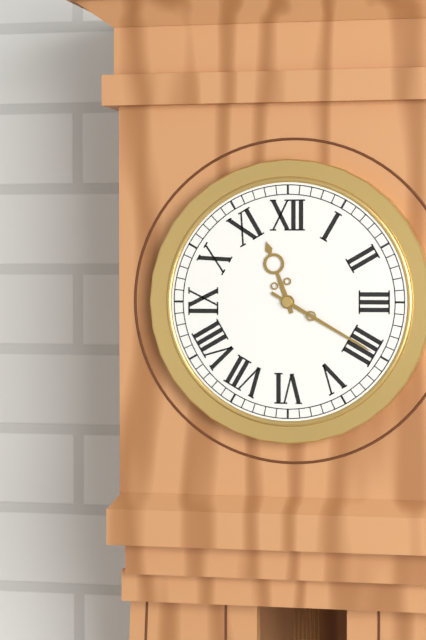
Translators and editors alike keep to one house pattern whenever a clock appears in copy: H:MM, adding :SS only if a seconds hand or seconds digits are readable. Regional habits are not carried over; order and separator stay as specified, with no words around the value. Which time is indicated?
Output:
11:20
